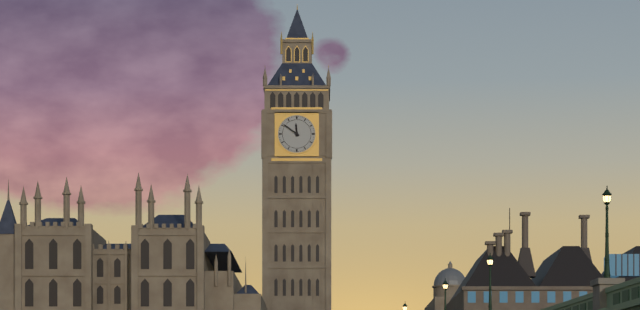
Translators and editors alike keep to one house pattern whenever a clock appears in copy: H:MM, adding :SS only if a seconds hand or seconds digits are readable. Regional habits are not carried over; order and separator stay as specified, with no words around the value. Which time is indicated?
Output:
11:51
